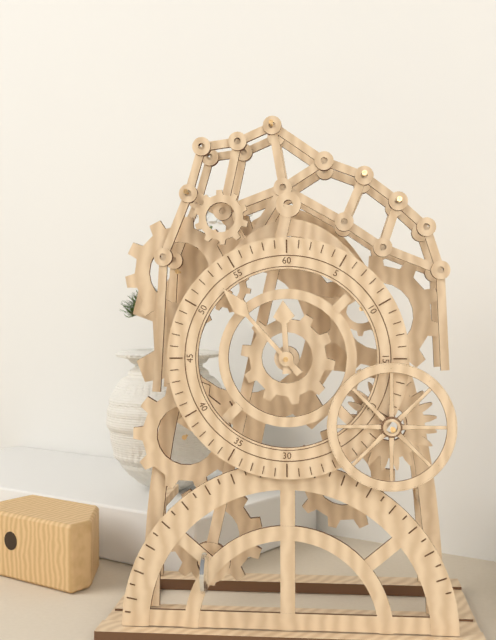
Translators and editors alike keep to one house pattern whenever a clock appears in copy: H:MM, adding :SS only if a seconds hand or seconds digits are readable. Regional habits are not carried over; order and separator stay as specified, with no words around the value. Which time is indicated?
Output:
11:53
